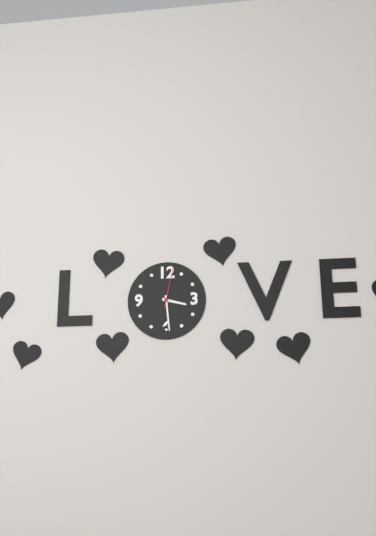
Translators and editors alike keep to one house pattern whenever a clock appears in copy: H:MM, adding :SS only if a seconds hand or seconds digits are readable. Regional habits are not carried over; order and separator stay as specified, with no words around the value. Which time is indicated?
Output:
3:29
